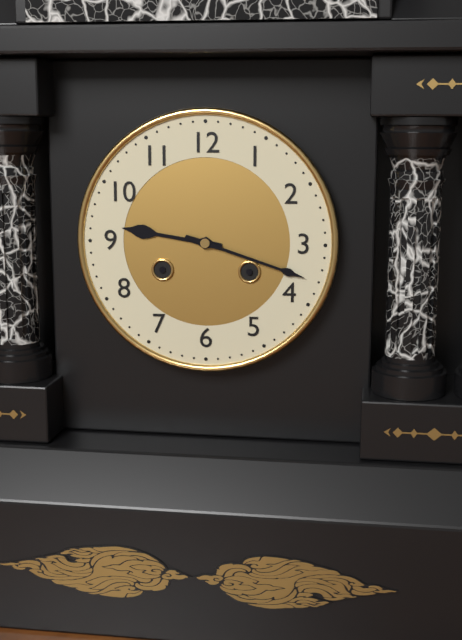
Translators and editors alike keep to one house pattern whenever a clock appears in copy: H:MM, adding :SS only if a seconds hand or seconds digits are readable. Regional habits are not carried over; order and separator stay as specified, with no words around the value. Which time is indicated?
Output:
9:18
